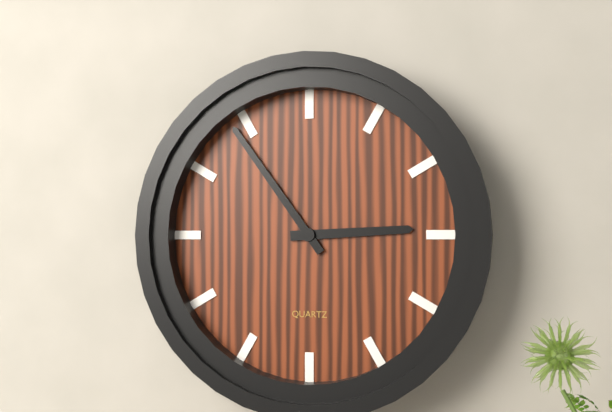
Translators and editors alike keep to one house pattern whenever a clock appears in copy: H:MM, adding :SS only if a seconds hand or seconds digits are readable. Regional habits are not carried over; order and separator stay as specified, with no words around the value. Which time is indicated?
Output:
2:54
